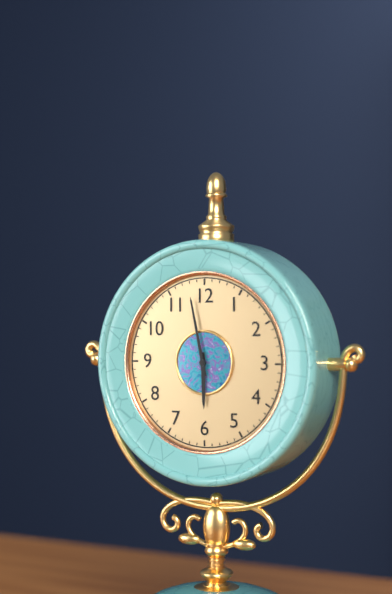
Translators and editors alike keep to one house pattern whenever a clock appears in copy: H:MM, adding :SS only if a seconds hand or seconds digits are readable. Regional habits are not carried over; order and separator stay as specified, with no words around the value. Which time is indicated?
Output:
5:58
